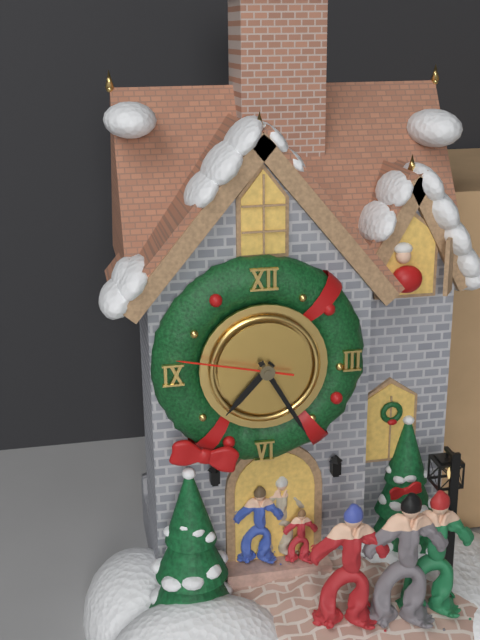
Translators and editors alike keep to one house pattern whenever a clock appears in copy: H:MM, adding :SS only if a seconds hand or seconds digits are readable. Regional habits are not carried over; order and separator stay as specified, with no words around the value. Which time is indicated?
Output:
7:25:47
